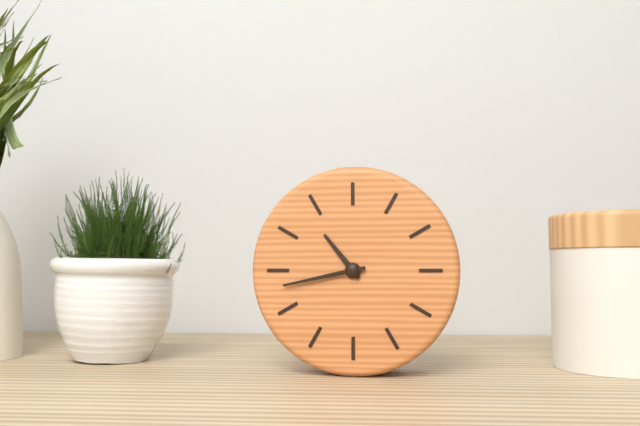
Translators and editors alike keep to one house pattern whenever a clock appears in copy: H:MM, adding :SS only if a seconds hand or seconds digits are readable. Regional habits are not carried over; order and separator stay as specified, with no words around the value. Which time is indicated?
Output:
10:43
